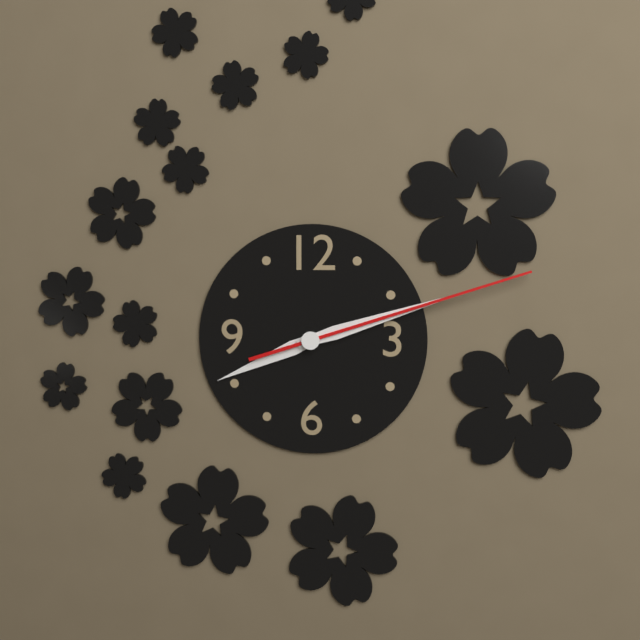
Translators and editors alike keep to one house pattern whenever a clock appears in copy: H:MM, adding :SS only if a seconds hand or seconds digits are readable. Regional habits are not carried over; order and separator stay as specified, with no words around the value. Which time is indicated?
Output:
8:12:12
